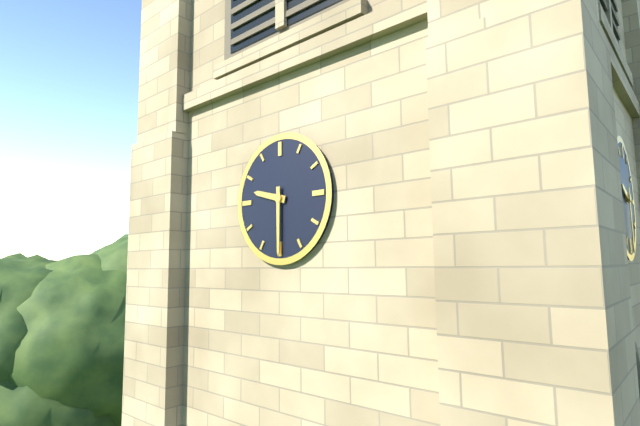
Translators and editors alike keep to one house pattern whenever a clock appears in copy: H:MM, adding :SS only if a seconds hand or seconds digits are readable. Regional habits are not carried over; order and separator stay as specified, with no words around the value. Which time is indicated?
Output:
9:30
